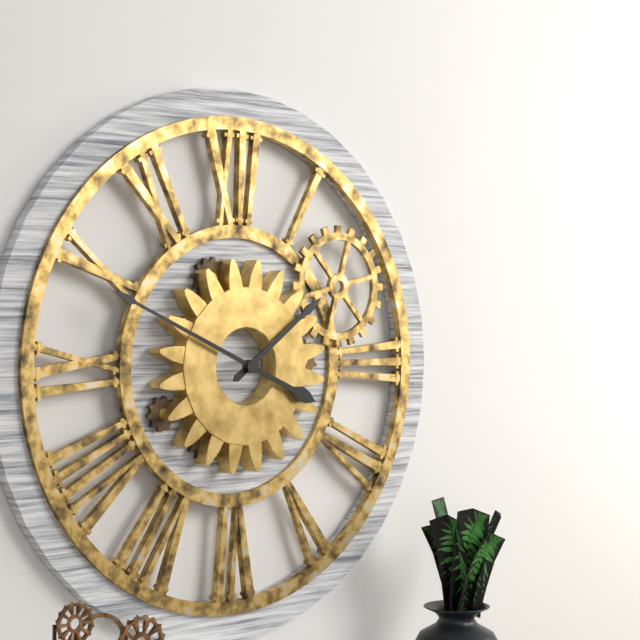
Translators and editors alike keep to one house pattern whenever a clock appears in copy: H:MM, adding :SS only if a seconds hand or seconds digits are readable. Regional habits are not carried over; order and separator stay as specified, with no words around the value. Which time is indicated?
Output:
1:49
